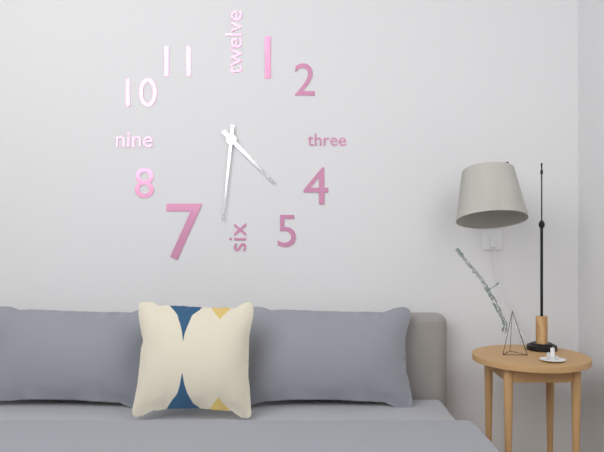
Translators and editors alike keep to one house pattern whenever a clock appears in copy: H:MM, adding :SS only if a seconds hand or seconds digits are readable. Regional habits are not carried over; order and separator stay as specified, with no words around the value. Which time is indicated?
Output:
4:31
